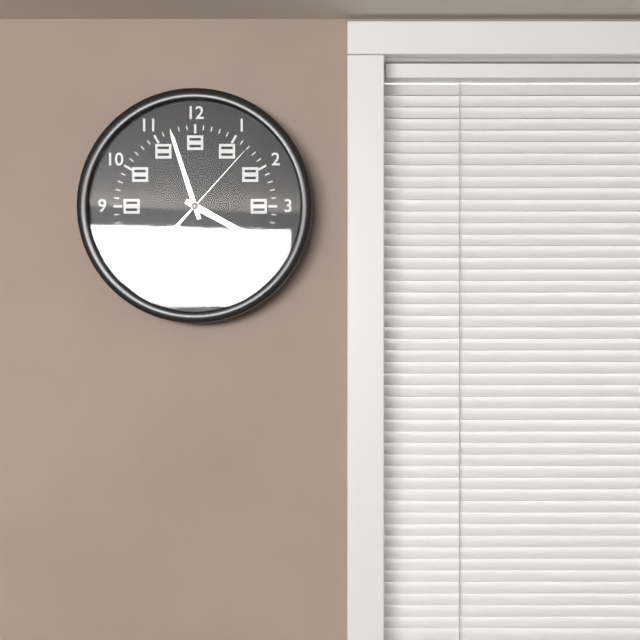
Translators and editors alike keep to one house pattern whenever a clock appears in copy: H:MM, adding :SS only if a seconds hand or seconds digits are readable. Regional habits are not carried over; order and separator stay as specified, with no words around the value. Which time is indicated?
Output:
3:57:07
